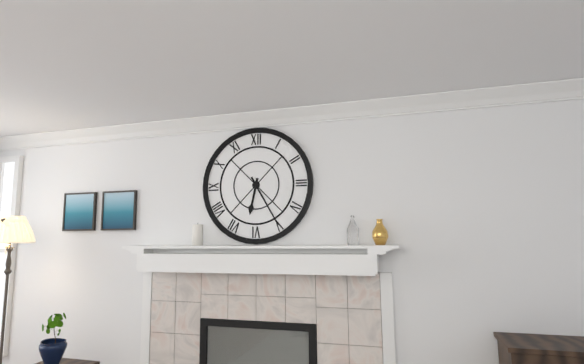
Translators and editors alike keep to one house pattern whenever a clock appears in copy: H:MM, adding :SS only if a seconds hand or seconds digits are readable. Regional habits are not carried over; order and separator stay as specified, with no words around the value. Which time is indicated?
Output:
6:25
